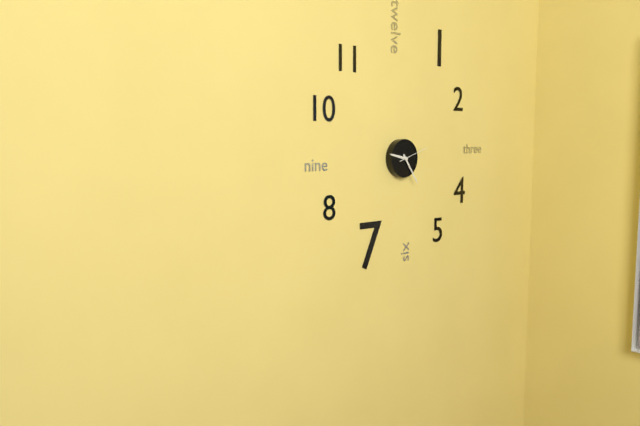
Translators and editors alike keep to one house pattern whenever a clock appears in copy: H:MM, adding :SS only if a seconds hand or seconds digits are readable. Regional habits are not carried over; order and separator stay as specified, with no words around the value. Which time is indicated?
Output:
9:24
